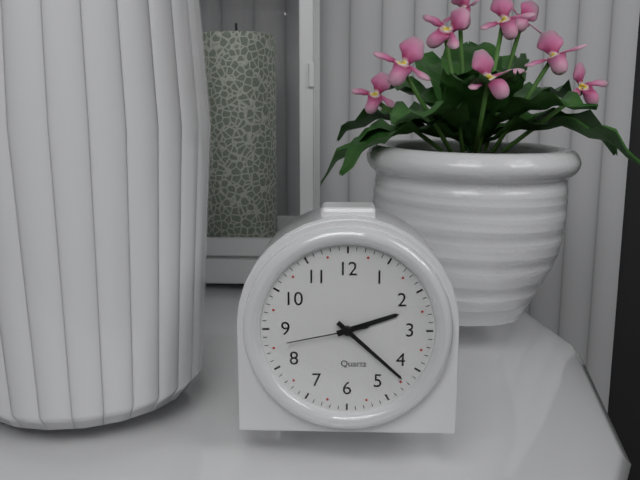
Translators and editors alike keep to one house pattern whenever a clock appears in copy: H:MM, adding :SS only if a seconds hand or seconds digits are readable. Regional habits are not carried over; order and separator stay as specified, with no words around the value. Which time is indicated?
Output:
2:22:43
